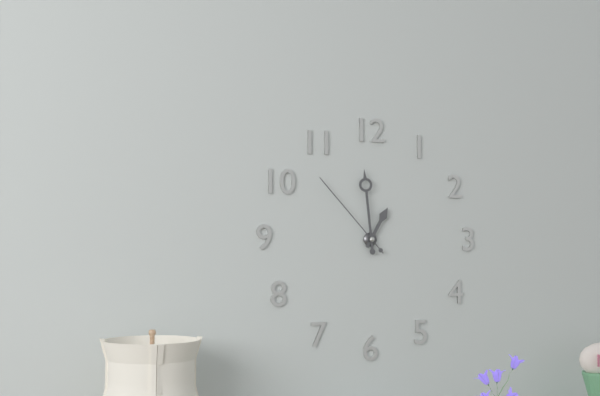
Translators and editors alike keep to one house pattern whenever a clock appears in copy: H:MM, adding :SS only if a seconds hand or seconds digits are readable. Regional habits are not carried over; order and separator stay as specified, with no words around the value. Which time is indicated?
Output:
12:59:53
